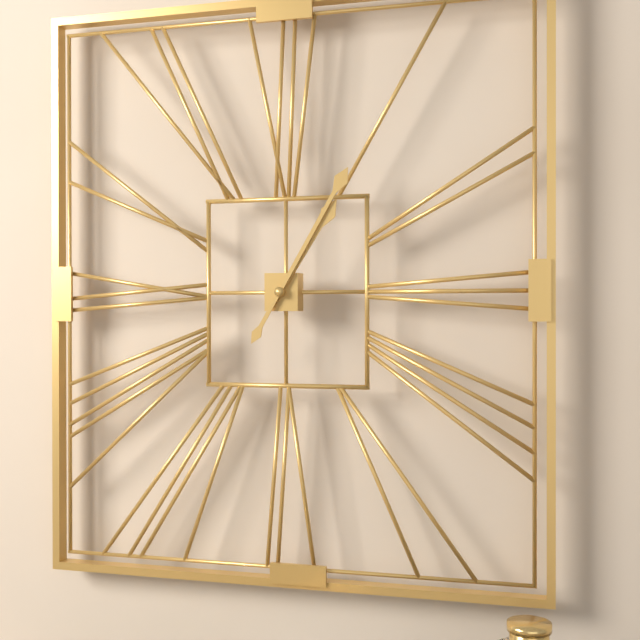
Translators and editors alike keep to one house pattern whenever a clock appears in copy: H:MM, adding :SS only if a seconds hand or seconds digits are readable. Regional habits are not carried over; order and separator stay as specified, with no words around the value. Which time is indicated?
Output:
1:05
